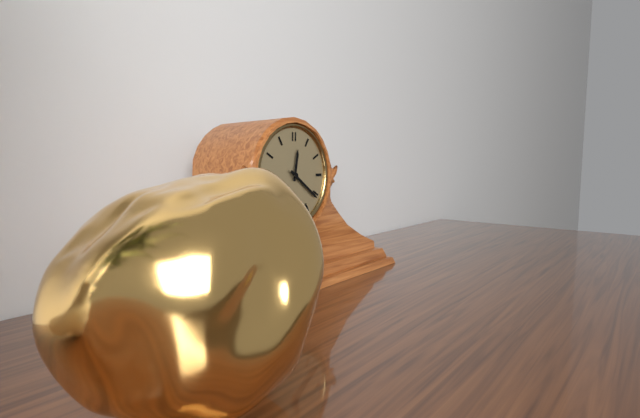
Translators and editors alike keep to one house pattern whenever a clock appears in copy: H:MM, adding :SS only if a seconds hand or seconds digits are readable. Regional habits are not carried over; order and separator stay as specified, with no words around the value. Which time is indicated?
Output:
12:21
